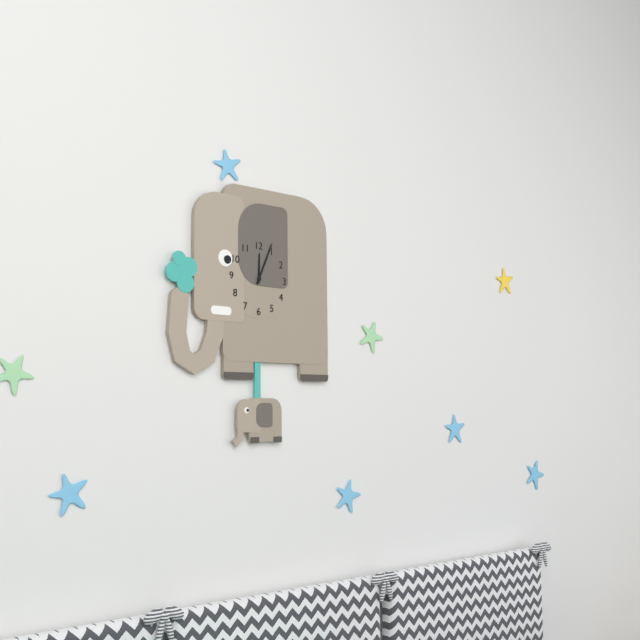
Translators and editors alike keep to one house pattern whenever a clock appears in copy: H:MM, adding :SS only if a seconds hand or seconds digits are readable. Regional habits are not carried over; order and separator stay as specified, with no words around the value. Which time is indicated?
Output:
12:04
